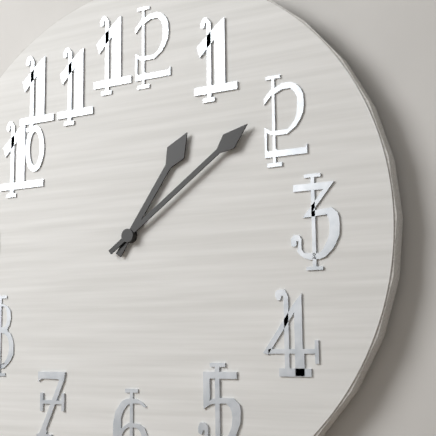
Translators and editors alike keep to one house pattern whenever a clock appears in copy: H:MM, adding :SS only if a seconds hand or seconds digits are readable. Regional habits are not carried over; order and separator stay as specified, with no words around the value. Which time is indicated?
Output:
1:09
